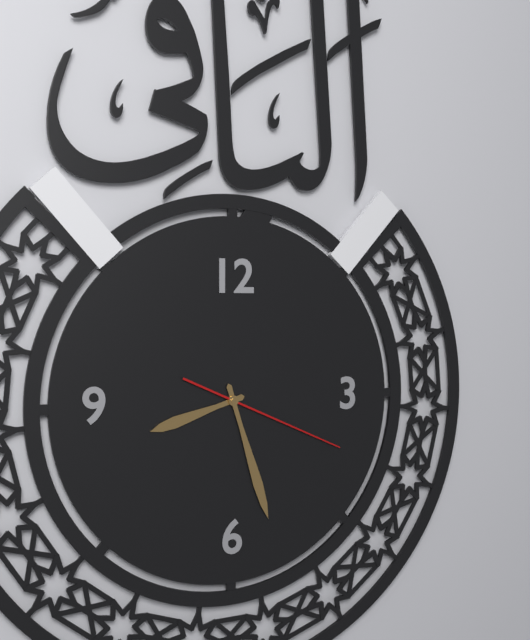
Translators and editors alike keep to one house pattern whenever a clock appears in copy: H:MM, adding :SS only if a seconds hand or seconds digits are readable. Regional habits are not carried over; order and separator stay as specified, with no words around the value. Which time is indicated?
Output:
8:27:19
